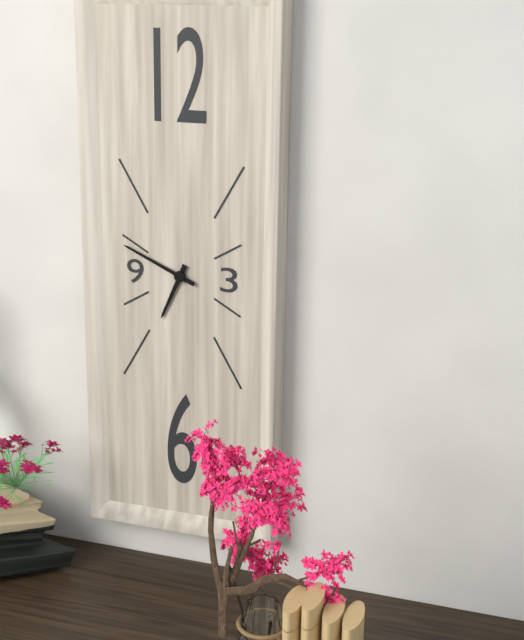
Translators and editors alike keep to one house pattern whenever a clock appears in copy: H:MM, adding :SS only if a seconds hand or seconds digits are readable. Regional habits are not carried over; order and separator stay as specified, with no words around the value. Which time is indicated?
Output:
6:49
